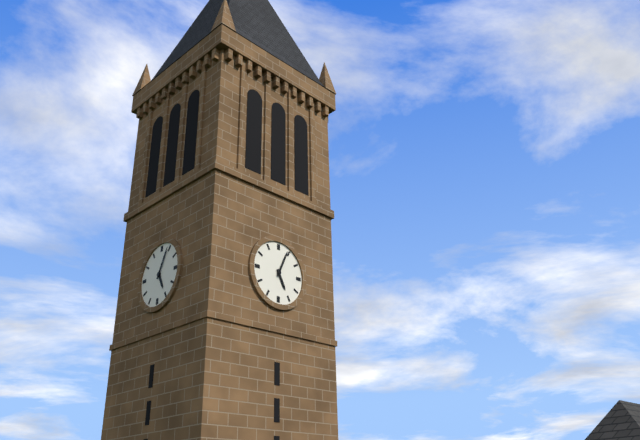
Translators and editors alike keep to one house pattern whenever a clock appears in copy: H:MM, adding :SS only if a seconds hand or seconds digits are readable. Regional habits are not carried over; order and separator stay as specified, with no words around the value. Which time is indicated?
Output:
5:04
